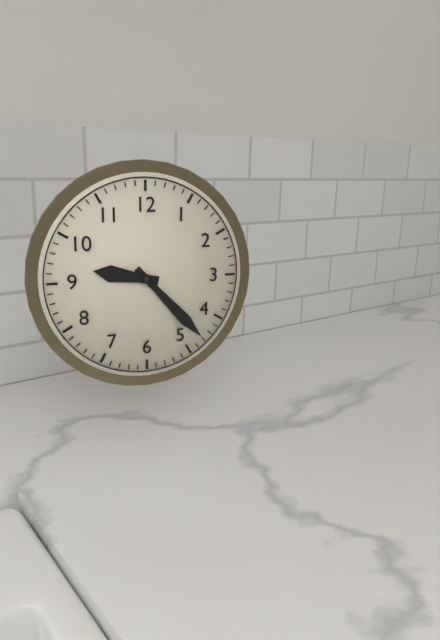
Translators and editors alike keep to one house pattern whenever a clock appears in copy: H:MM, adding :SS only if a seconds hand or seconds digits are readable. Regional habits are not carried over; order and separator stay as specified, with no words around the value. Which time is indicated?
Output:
9:23
